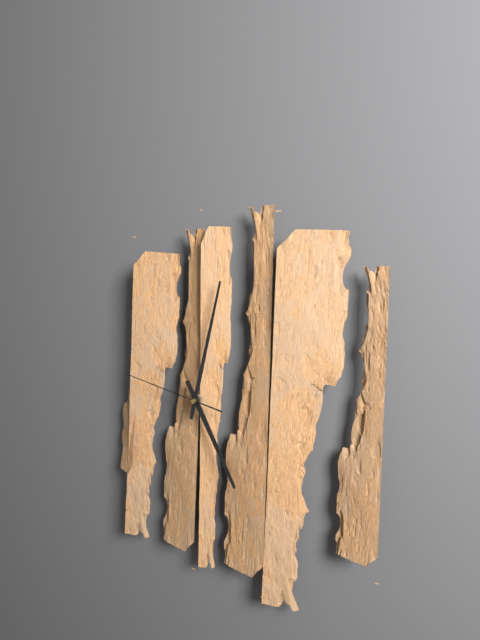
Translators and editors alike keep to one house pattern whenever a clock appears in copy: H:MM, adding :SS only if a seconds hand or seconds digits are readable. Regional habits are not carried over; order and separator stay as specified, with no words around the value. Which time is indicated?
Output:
5:02:47
